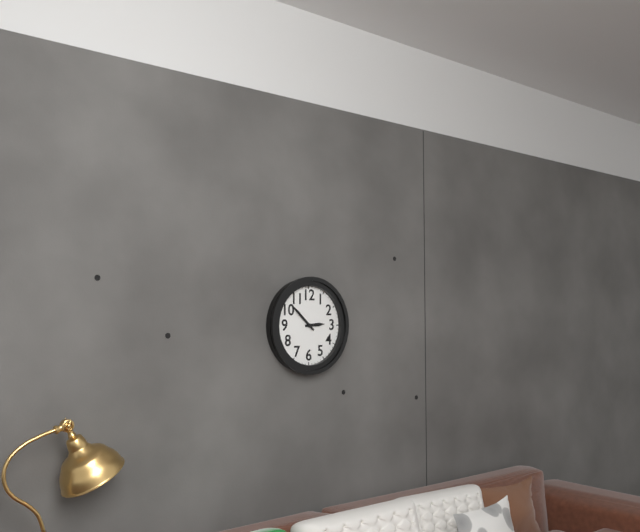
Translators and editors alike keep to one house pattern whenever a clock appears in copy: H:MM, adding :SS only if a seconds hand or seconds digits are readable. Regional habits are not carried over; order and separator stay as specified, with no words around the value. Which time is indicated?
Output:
2:52
